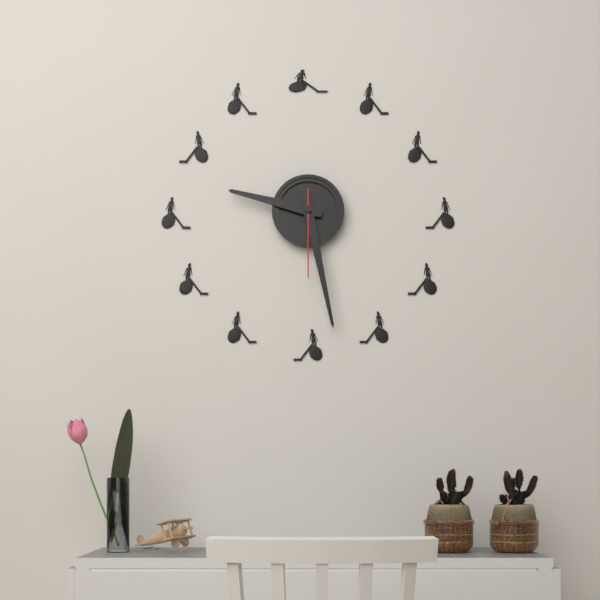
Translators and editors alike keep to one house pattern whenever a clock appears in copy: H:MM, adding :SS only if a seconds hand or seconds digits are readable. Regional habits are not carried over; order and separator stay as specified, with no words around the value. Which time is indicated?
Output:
9:28:30
